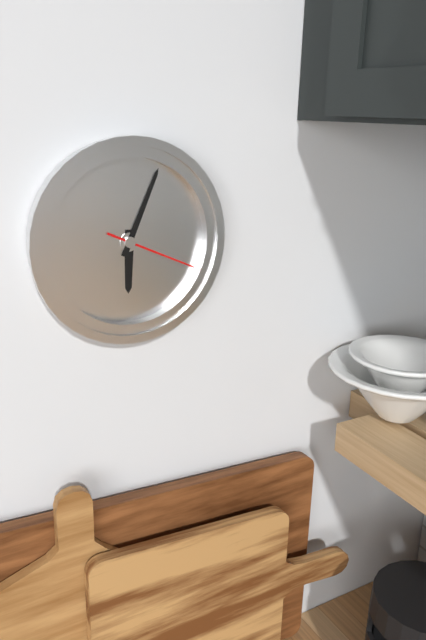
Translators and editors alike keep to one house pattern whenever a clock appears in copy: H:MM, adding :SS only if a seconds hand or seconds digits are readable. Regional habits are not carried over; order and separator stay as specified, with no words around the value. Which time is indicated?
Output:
6:04:19
